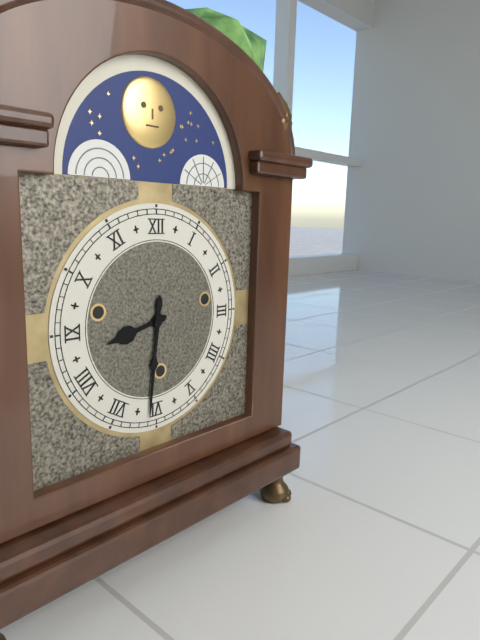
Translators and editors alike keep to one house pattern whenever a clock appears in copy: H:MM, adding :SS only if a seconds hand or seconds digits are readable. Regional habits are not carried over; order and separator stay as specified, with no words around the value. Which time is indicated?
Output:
8:31
